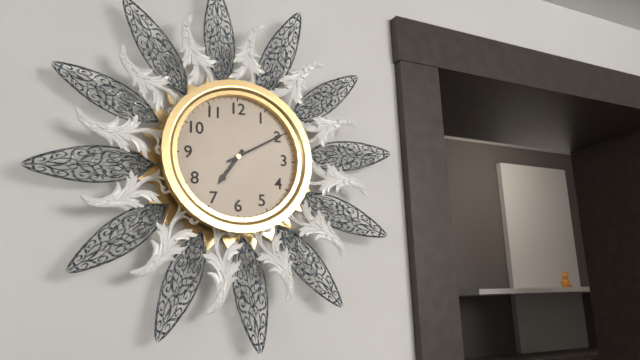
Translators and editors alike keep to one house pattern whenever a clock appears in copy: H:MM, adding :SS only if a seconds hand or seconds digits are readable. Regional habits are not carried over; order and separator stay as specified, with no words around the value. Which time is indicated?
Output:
7:10
